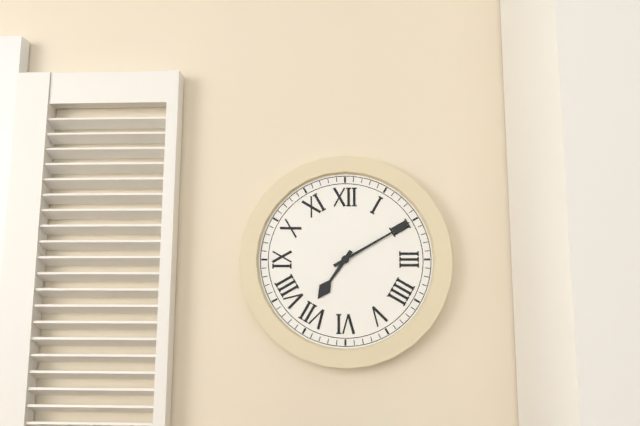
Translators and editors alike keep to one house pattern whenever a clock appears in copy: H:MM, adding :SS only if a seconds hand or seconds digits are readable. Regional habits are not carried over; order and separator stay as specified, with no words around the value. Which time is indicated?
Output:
7:10
